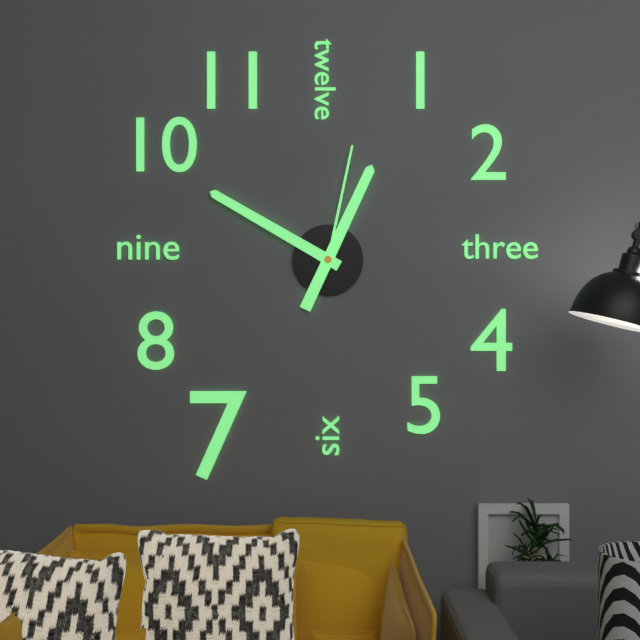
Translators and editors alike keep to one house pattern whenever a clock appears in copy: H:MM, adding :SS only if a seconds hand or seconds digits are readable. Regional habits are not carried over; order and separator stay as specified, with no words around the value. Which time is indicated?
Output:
12:50:02
